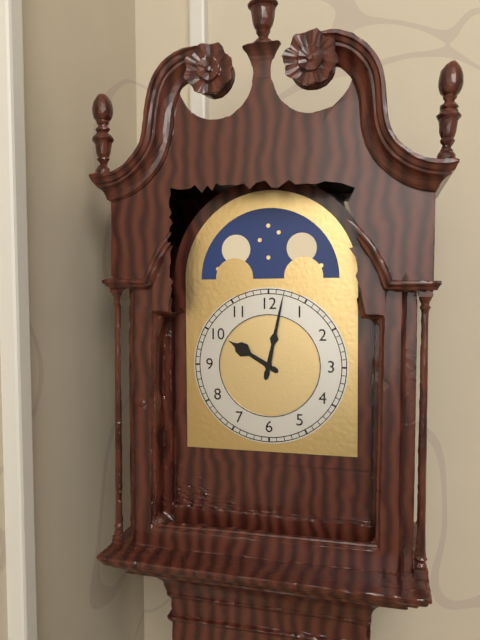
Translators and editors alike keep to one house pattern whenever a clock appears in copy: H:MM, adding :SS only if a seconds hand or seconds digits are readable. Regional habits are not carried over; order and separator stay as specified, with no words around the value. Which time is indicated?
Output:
10:02
